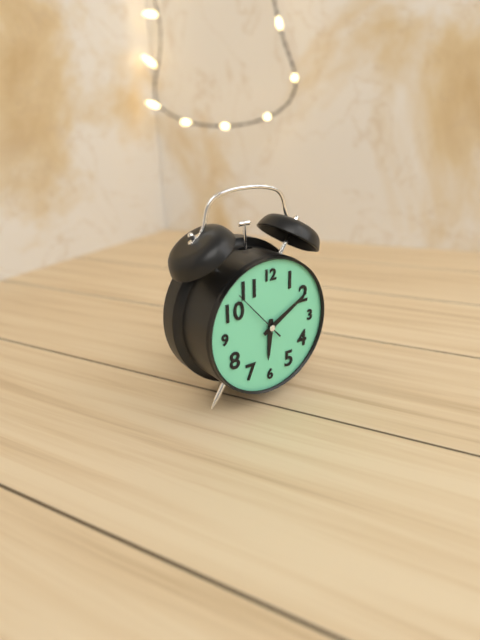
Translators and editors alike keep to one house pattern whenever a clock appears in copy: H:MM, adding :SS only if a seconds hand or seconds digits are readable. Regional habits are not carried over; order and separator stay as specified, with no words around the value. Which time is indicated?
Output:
6:10:53
